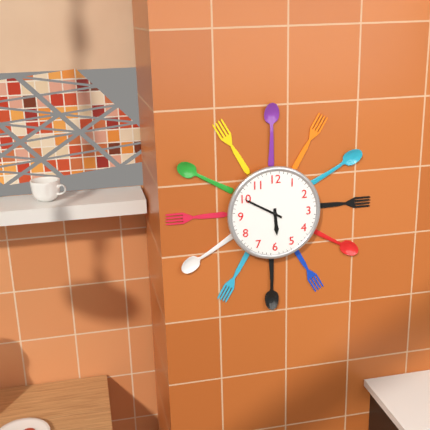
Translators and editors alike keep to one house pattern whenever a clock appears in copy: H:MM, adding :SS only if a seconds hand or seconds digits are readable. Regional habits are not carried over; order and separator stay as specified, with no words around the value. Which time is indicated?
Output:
5:50
